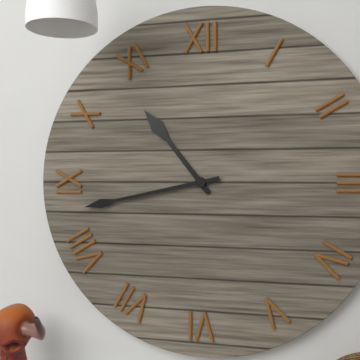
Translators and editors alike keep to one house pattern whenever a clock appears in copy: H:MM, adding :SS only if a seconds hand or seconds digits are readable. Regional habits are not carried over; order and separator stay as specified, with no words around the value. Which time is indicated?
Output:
10:43
